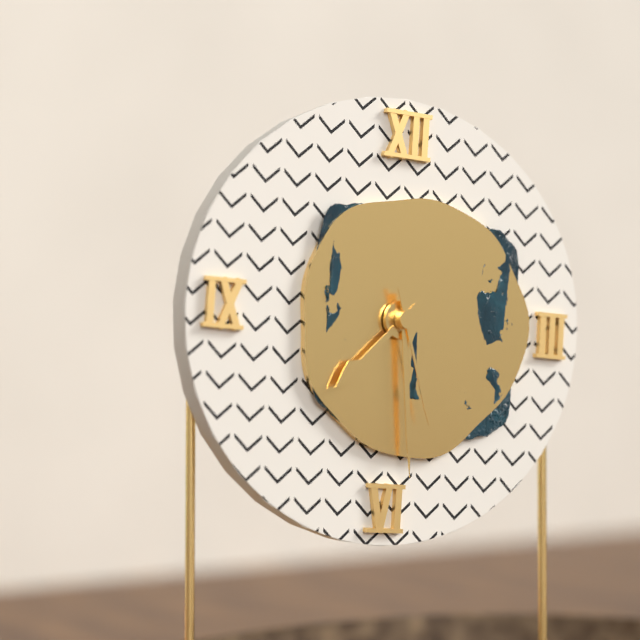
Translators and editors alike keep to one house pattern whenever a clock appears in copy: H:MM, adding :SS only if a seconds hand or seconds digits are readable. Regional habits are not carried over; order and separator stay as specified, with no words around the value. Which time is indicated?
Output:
7:29:27
